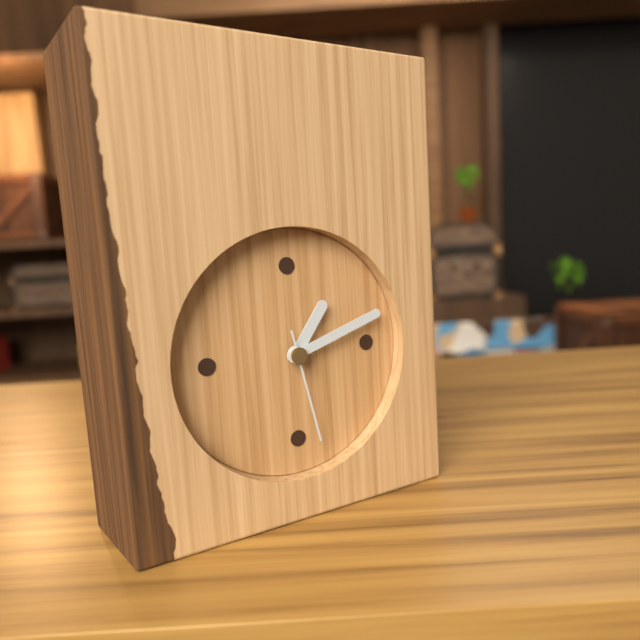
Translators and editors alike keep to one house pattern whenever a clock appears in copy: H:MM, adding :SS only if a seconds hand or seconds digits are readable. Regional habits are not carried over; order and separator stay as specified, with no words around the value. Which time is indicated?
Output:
1:12:28
